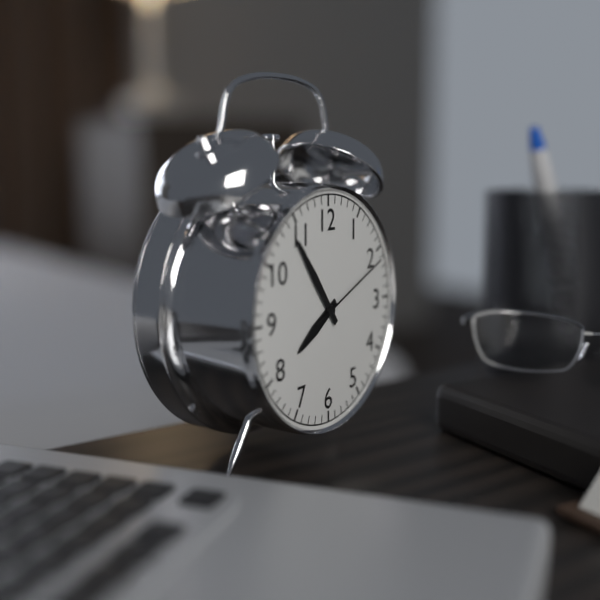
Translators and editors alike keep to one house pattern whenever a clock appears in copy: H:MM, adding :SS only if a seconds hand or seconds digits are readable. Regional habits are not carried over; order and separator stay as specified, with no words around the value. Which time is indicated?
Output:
7:54:11
